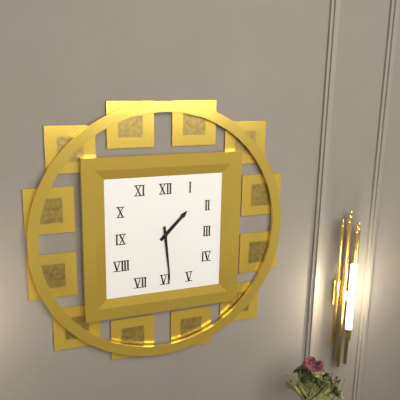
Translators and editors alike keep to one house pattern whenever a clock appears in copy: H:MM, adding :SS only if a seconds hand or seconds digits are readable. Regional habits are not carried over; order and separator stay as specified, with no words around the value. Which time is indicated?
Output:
1:29
